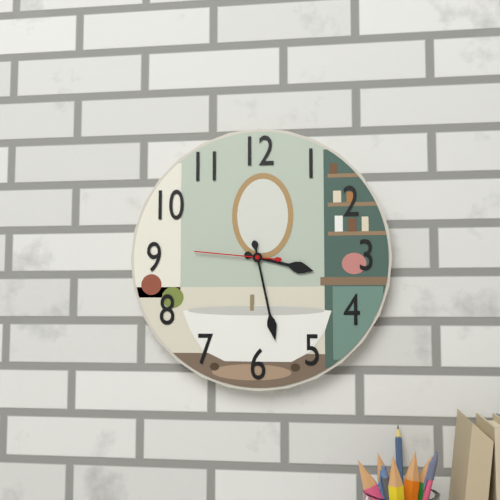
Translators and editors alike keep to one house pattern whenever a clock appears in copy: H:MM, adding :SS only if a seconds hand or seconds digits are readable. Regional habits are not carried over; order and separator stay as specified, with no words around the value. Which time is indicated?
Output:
3:28:46
